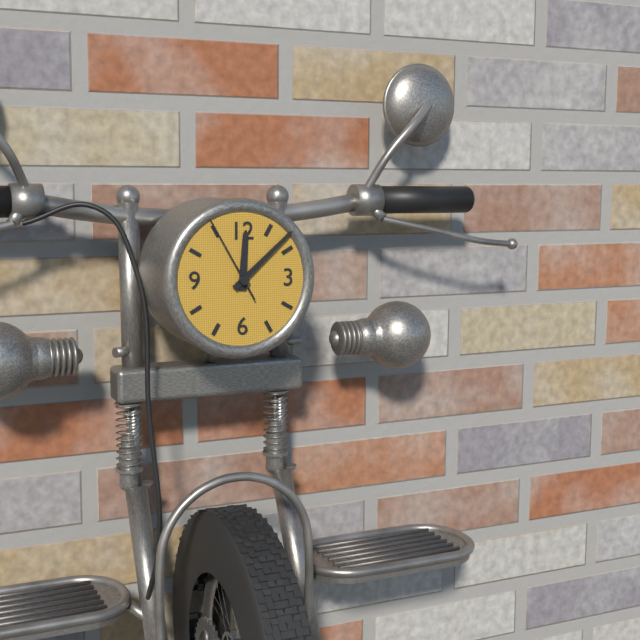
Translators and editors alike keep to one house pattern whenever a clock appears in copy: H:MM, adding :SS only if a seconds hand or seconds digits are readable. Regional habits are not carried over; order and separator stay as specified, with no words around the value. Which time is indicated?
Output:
12:08:55
